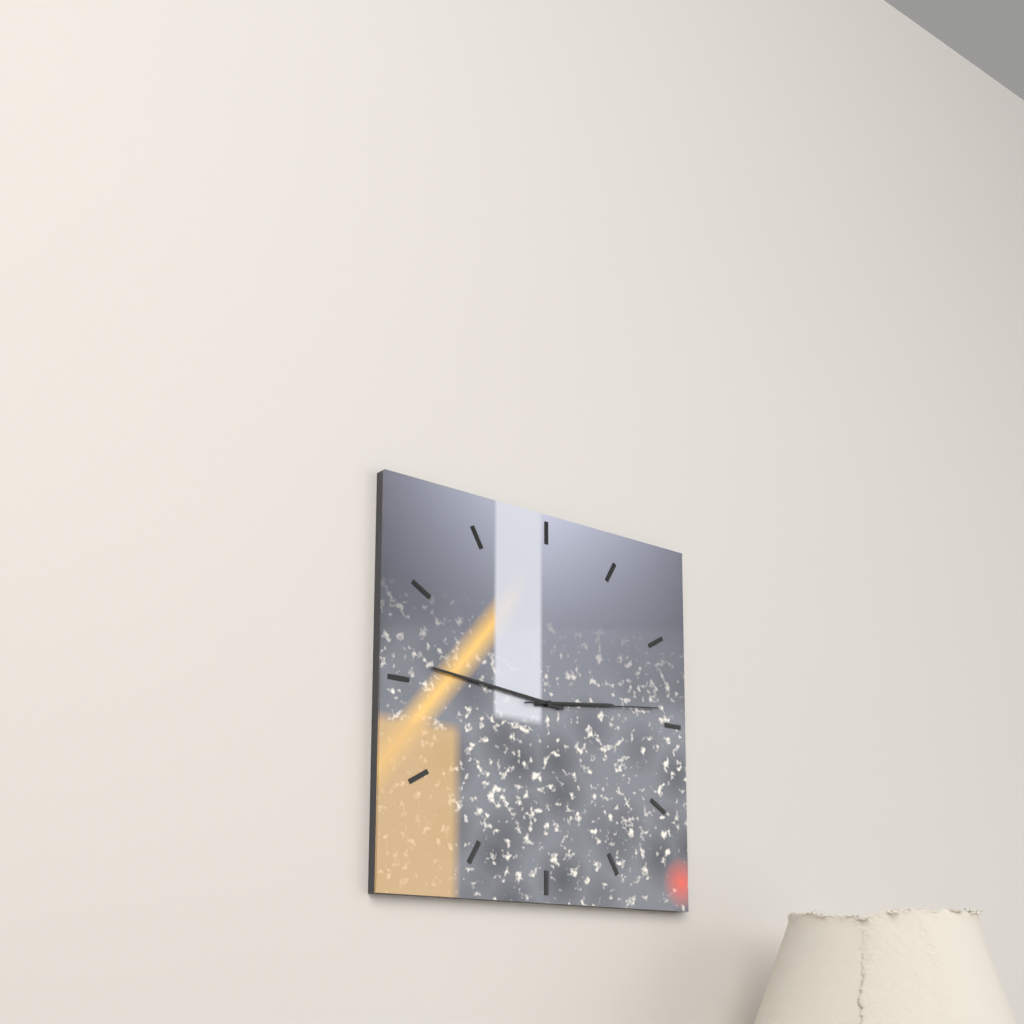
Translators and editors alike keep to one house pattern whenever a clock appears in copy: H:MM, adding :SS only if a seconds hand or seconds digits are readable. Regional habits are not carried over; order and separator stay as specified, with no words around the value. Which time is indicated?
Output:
2:46:14
